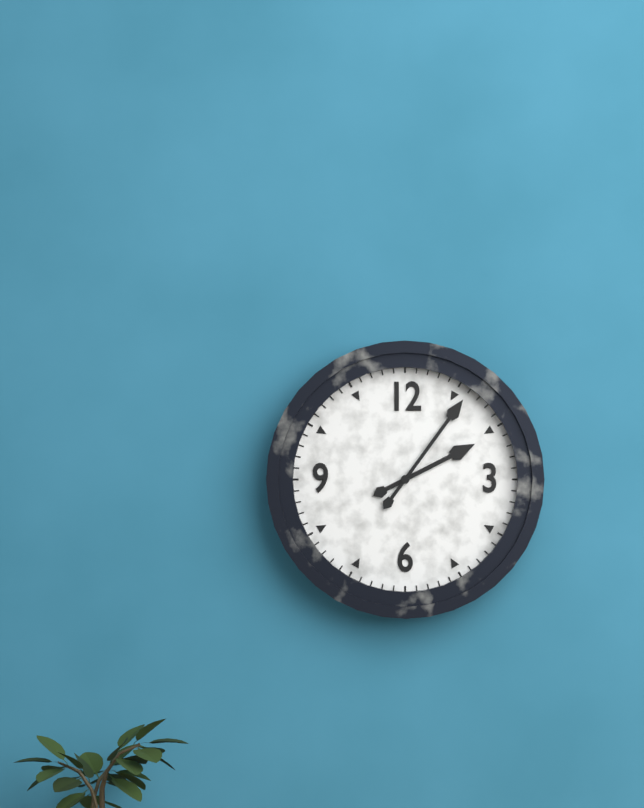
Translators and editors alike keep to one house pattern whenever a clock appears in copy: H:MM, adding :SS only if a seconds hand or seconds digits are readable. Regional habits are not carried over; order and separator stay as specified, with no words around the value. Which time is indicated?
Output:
2:06
